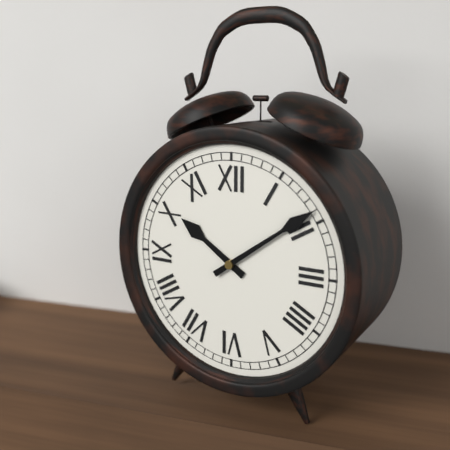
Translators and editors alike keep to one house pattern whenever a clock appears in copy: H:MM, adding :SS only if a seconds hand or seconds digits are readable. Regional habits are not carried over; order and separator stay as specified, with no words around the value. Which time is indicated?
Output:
10:09
